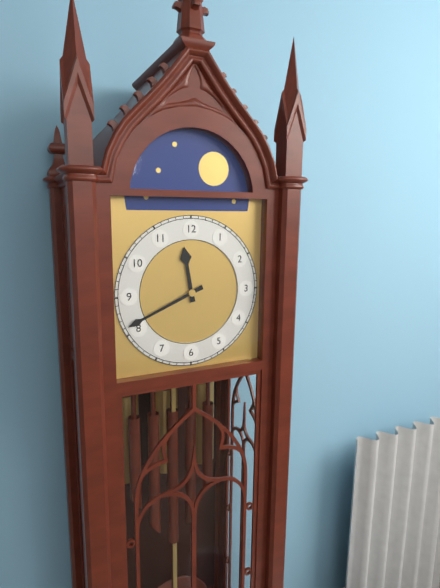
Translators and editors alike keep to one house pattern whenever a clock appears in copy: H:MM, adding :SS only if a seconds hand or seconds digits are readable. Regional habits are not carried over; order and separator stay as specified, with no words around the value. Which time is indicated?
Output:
11:41
